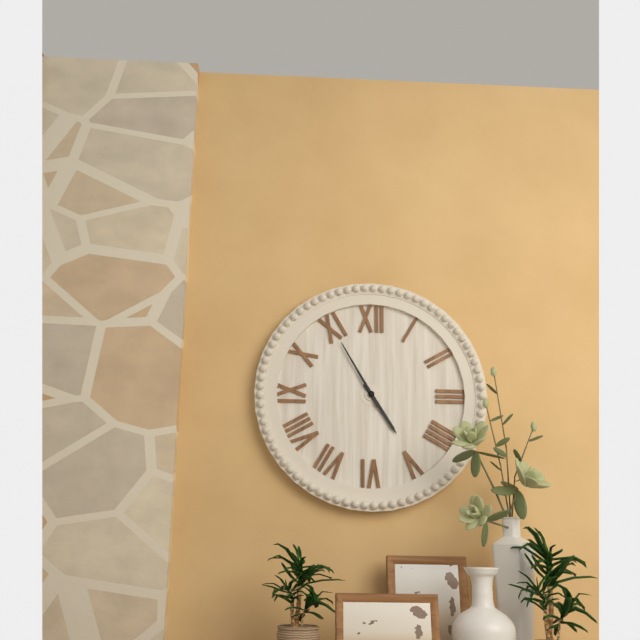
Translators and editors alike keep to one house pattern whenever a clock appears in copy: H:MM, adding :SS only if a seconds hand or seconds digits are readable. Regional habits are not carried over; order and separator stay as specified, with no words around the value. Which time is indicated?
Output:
4:55
